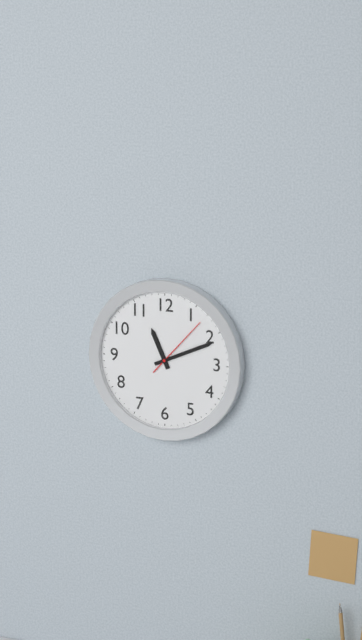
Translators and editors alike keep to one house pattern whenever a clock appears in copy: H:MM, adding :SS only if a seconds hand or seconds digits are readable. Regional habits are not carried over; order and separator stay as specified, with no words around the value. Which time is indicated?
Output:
11:11:07
